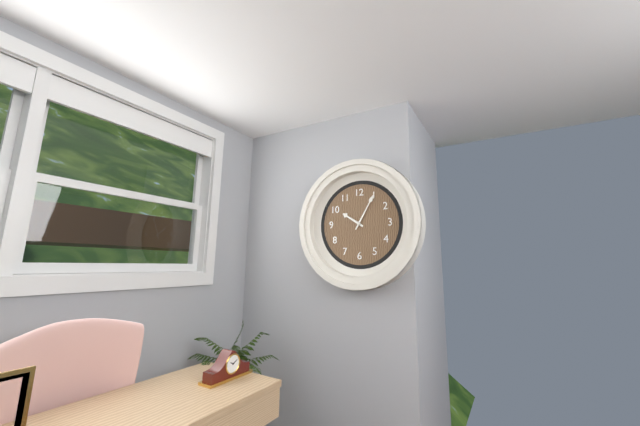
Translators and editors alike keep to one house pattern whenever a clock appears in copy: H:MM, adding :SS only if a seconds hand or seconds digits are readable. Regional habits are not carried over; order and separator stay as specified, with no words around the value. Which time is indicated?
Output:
10:05
